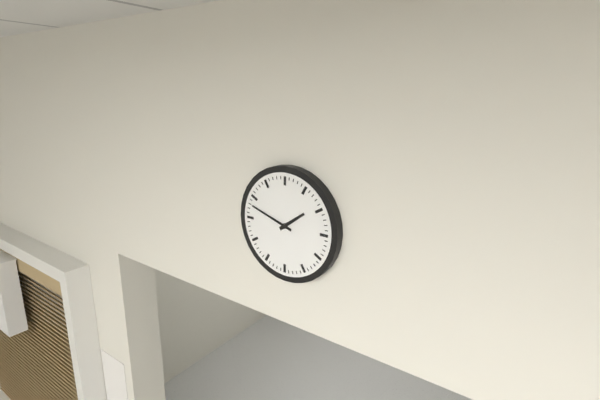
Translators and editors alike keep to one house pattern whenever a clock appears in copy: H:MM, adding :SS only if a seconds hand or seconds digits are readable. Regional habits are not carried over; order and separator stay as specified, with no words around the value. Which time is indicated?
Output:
1:48
